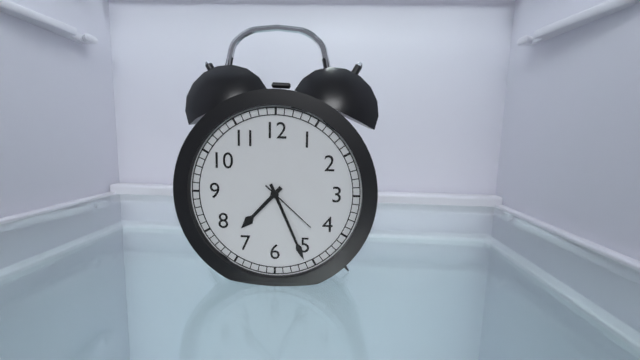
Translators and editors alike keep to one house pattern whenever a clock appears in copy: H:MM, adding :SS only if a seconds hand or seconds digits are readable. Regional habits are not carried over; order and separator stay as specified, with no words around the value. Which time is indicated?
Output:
7:26:22
